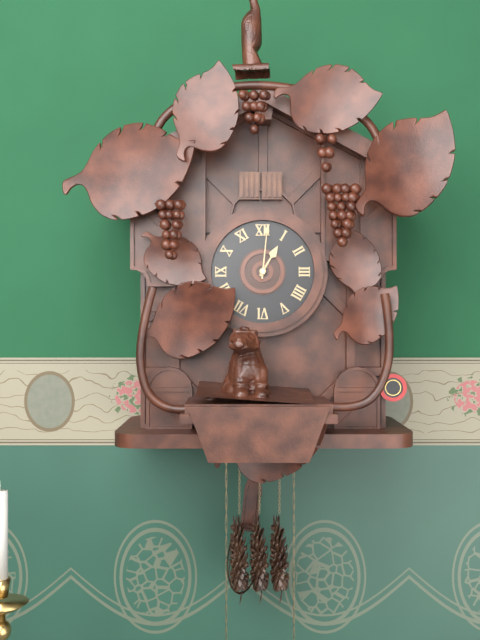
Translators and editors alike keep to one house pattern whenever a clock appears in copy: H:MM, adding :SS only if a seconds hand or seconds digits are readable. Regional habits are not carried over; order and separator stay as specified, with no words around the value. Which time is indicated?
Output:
1:01
